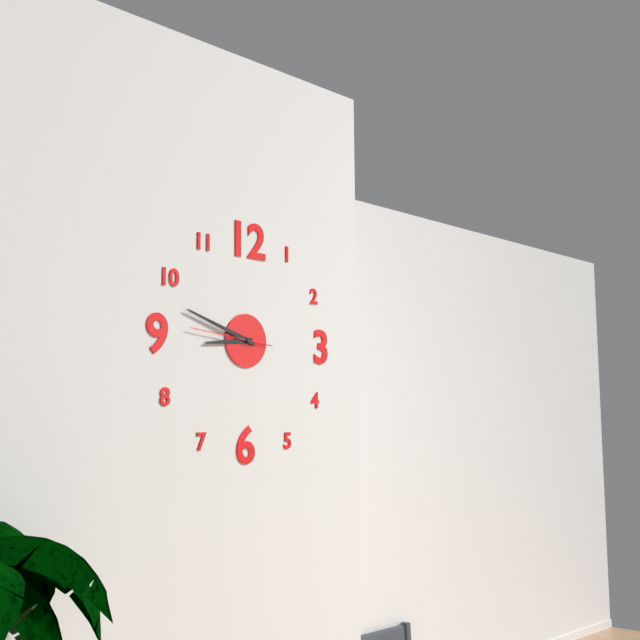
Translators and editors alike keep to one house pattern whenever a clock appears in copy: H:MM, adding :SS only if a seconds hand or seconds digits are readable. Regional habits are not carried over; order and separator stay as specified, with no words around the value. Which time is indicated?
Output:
8:48:46
